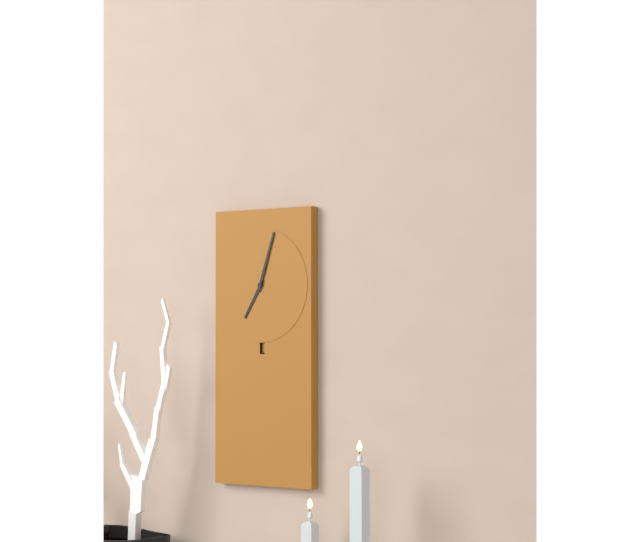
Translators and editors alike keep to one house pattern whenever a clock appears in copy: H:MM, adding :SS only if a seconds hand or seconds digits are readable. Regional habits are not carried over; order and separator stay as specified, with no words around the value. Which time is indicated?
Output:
7:03
